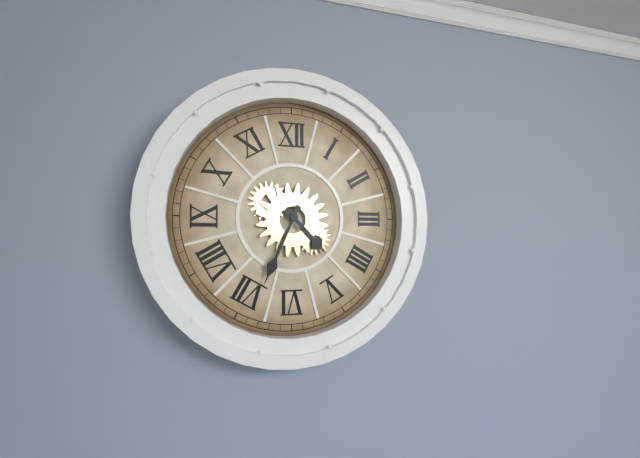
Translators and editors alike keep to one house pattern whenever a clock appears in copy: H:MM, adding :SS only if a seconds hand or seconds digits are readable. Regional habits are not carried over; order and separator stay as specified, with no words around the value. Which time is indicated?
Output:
4:34
